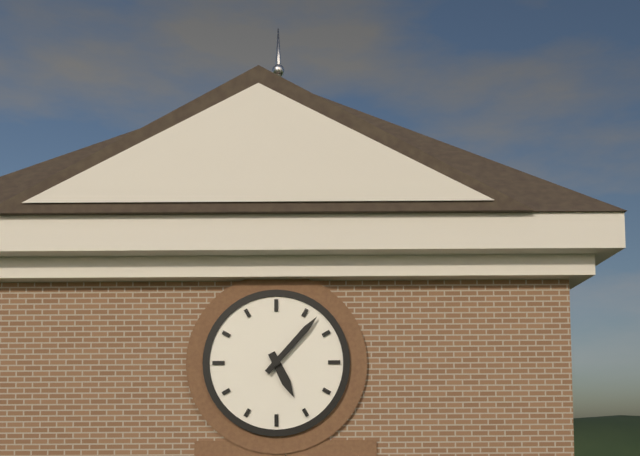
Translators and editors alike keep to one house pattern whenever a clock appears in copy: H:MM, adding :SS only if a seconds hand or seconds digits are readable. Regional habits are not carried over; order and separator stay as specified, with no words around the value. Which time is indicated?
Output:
5:07
